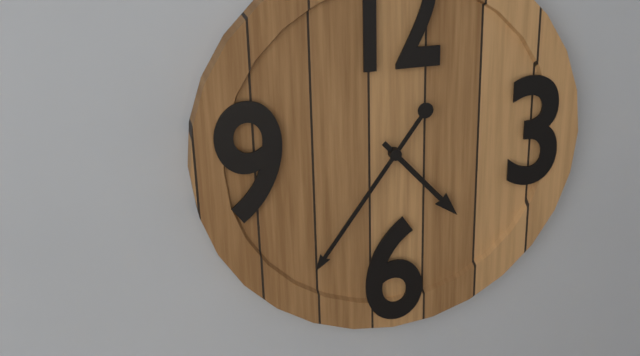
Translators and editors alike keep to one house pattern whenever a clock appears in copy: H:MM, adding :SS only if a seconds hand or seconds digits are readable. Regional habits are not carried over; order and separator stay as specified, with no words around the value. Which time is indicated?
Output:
4:36
